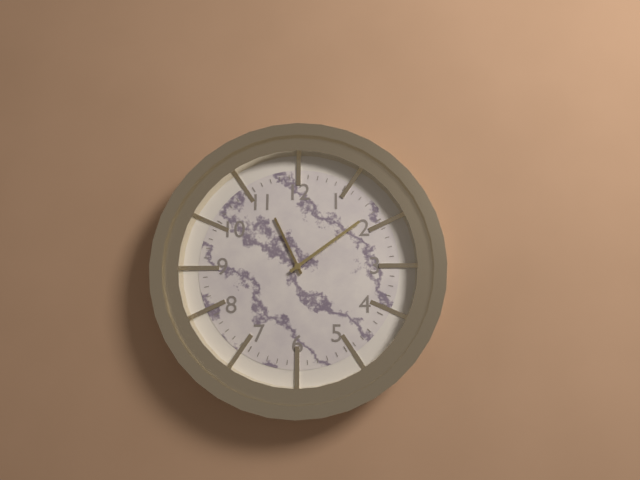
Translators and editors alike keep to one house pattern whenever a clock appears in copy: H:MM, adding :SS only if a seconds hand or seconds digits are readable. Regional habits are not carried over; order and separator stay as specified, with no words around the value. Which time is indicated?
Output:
11:09
